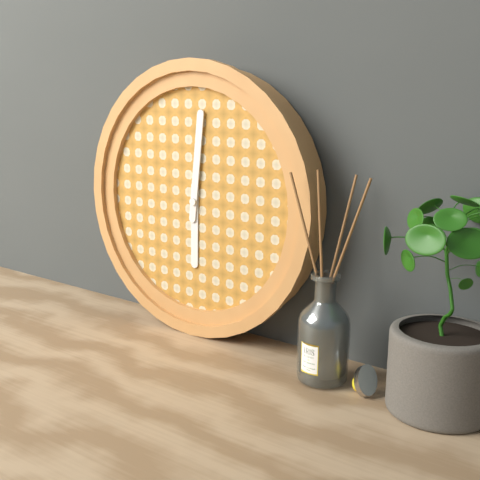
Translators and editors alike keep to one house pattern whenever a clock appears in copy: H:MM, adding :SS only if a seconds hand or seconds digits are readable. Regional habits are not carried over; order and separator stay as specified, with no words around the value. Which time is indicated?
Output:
6:01
